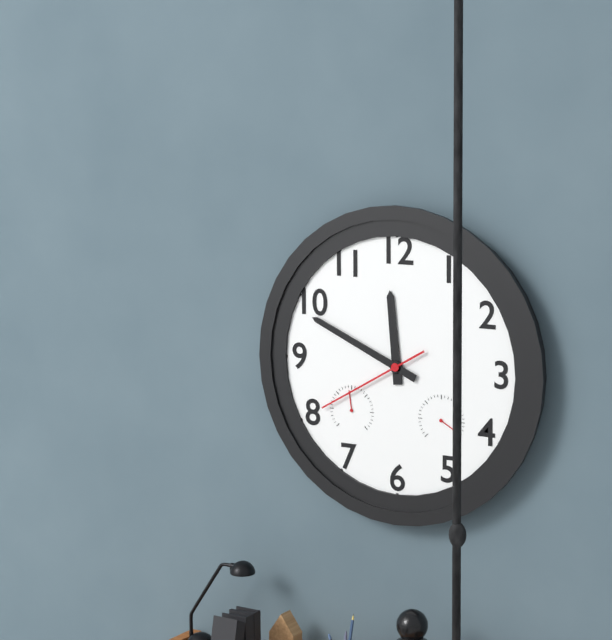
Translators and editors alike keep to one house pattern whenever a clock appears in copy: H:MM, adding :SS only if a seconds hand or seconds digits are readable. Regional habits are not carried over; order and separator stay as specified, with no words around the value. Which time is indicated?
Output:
11:49:40
